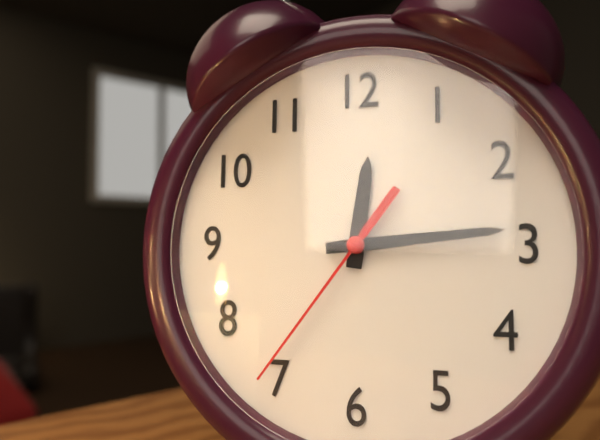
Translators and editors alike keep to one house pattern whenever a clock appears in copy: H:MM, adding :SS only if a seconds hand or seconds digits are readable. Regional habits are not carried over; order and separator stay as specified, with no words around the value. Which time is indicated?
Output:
12:14:36
